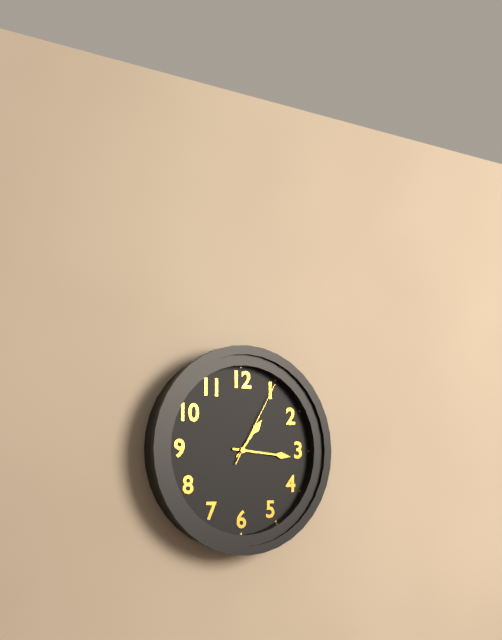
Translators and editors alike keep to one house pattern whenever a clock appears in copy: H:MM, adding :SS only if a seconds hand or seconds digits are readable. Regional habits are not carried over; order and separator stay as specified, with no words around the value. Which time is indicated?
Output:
1:16:05
